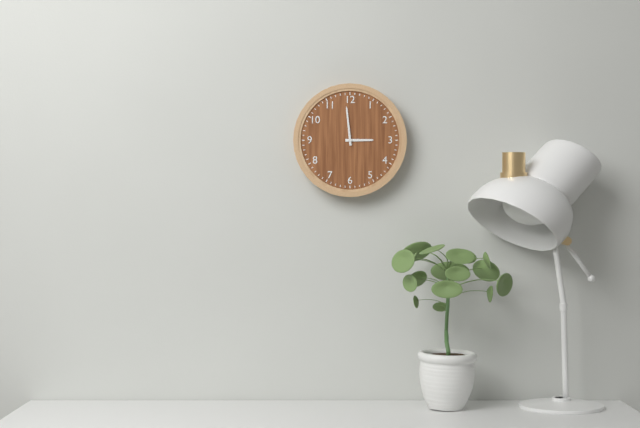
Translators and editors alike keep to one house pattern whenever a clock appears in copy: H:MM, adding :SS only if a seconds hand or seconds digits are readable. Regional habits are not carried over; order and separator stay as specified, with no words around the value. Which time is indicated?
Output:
2:59
